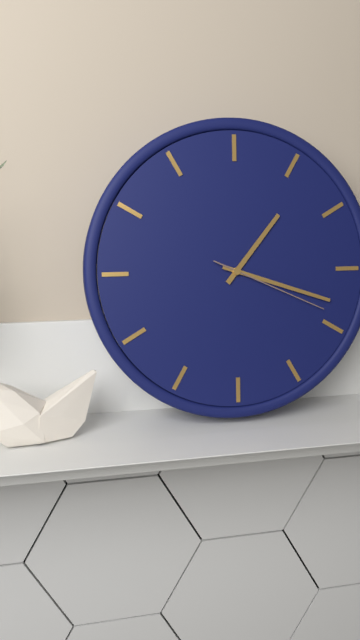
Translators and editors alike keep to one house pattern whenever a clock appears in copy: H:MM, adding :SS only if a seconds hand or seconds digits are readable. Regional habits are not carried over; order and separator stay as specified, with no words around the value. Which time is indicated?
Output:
1:18:19
